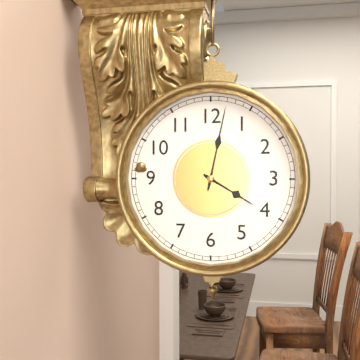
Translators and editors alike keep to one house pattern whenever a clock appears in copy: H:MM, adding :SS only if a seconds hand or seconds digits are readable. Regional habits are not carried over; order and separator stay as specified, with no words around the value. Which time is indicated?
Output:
4:02
